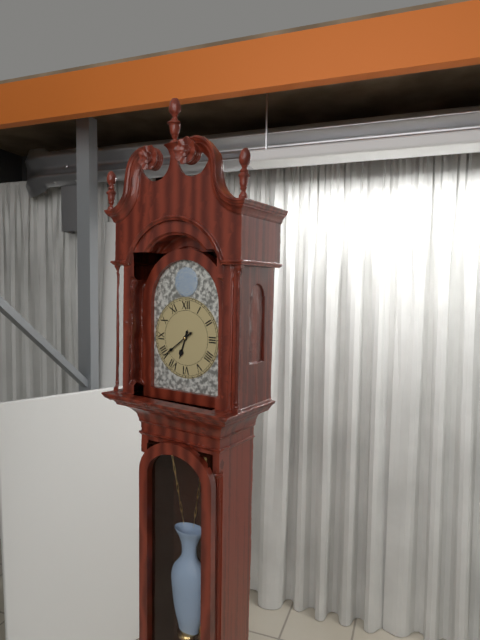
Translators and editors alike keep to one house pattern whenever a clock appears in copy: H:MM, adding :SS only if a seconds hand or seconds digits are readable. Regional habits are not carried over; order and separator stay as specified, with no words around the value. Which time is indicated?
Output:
6:39
